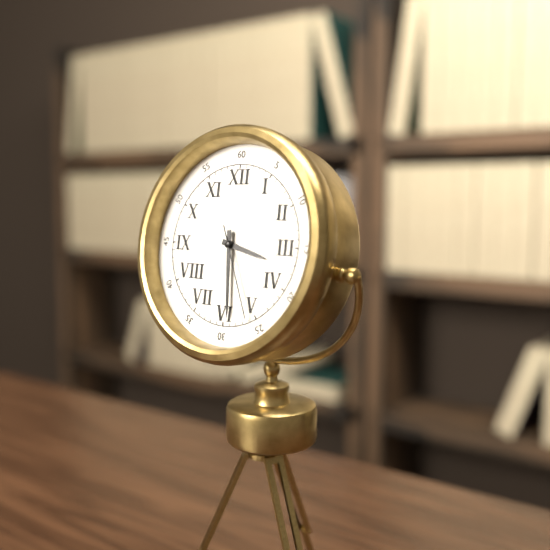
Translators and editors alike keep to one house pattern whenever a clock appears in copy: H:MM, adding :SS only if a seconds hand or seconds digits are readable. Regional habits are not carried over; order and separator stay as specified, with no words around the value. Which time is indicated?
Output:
3:29:26
